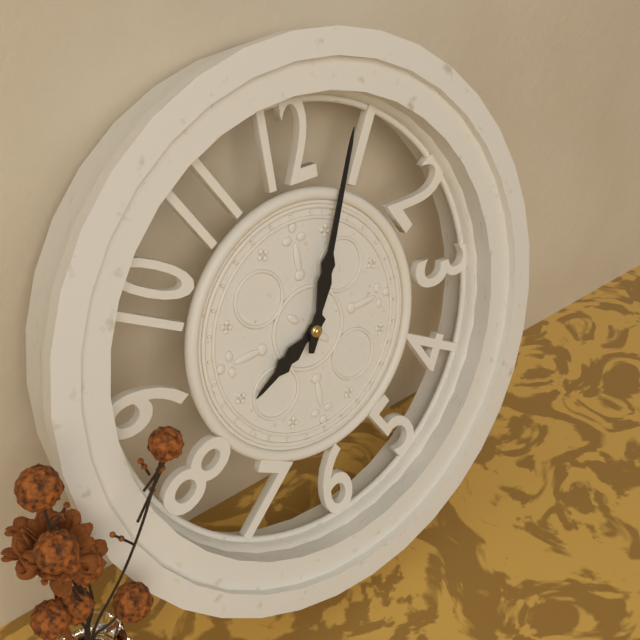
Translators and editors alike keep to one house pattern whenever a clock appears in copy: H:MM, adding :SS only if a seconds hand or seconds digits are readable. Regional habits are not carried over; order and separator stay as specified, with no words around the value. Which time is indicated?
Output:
8:04
